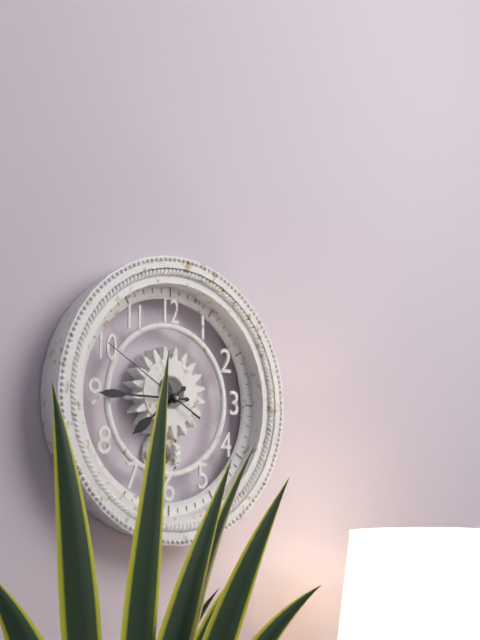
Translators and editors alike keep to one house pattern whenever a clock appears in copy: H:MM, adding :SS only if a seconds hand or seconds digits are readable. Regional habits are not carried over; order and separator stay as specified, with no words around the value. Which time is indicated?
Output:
7:45:50
